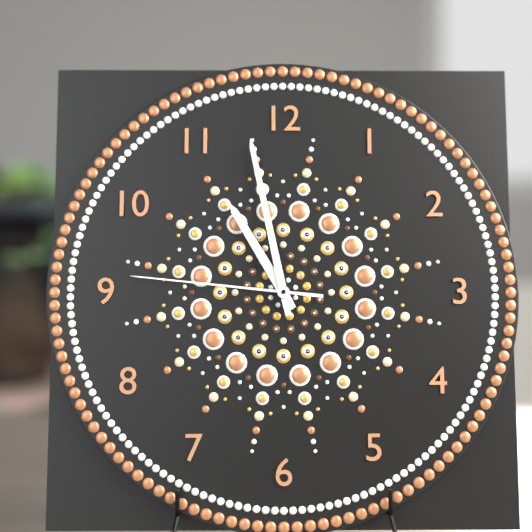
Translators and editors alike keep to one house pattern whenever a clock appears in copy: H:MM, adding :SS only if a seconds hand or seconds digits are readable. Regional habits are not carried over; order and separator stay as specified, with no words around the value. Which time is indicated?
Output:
10:58:46
